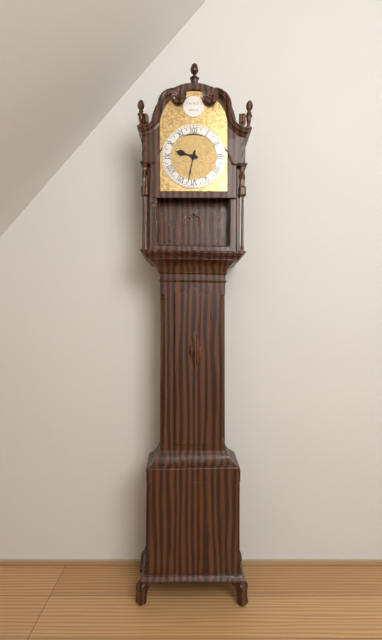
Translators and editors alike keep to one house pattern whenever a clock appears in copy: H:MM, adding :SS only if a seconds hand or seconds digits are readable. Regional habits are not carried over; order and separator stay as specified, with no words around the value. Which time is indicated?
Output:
9:32
